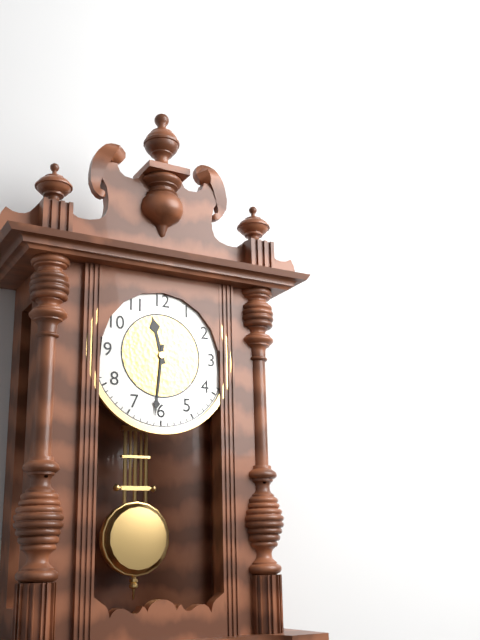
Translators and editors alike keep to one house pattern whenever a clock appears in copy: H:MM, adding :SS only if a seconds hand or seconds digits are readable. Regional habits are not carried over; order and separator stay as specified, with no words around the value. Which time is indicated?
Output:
11:31
